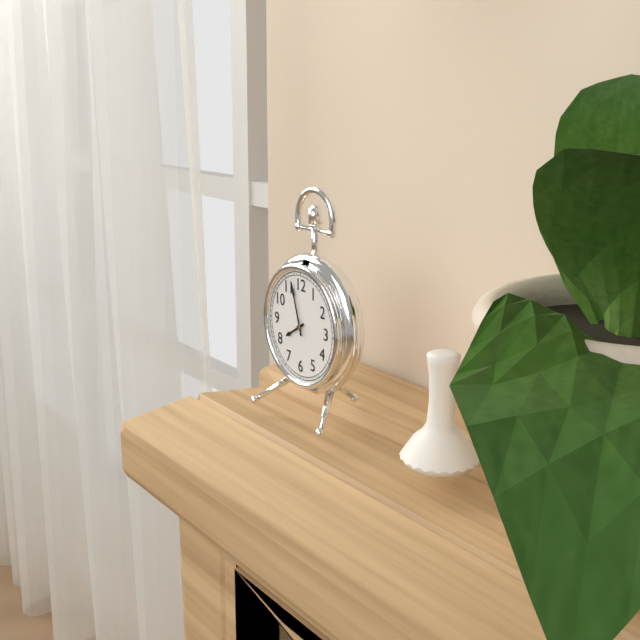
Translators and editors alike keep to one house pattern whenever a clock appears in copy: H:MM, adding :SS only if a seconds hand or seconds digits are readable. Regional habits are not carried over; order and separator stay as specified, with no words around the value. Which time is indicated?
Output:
7:57
